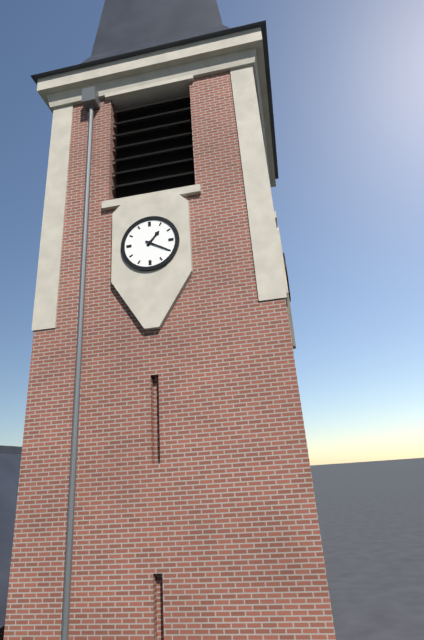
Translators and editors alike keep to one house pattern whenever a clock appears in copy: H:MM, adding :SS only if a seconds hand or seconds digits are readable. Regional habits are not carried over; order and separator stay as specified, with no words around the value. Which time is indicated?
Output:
1:20
